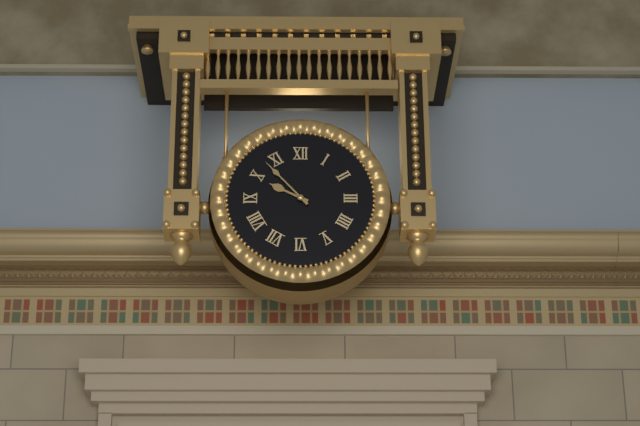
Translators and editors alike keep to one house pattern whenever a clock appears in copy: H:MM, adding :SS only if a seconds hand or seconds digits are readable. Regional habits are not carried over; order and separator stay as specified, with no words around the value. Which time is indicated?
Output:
9:53
